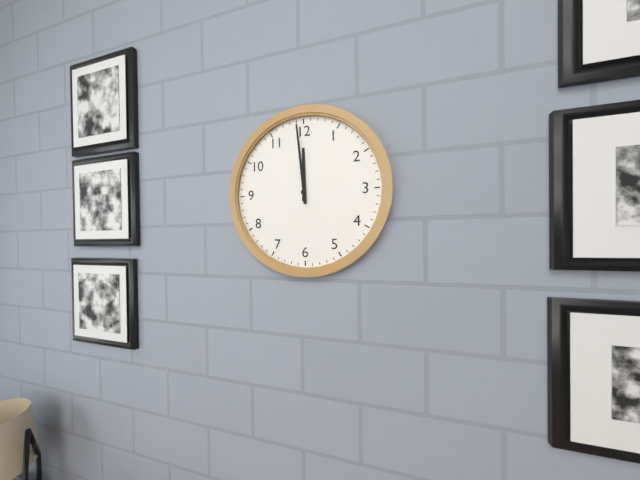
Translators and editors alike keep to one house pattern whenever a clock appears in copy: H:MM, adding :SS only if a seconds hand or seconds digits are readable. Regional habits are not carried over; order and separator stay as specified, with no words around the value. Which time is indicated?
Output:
11:59
